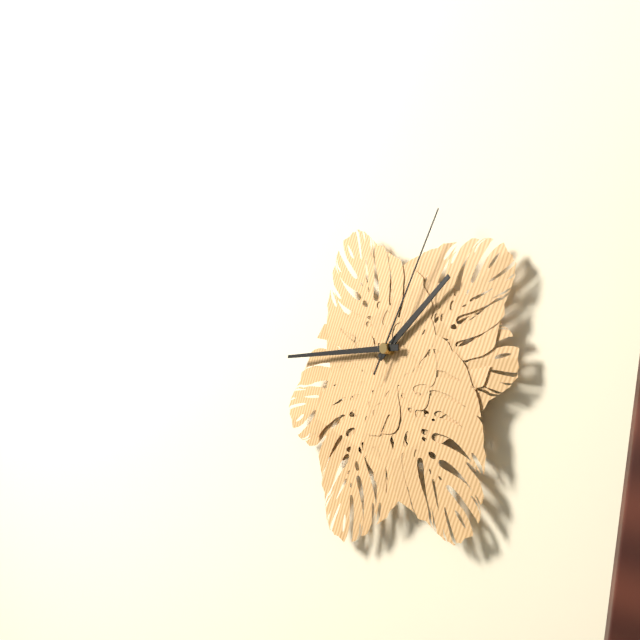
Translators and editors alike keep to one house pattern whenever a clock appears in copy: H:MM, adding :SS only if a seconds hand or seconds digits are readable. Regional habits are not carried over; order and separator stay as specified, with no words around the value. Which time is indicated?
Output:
1:45:05
